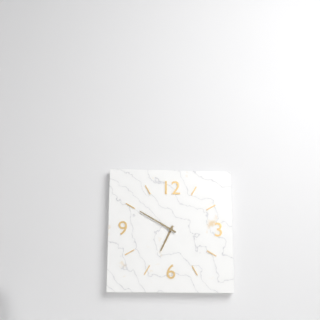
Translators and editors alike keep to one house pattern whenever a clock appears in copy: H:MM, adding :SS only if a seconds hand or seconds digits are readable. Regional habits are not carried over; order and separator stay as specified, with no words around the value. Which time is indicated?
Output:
6:50
